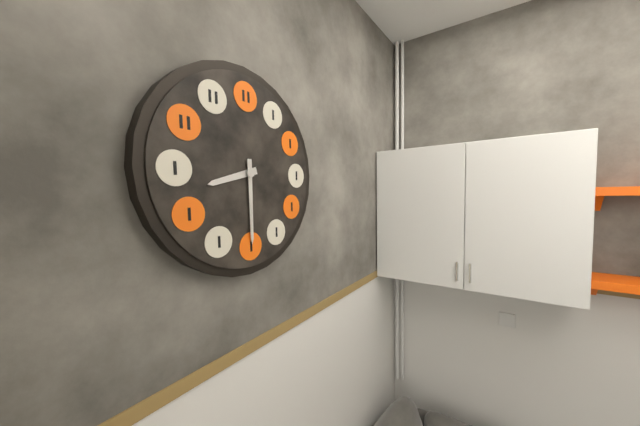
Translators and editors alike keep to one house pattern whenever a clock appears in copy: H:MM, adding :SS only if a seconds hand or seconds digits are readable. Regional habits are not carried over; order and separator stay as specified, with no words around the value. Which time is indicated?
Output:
8:30
